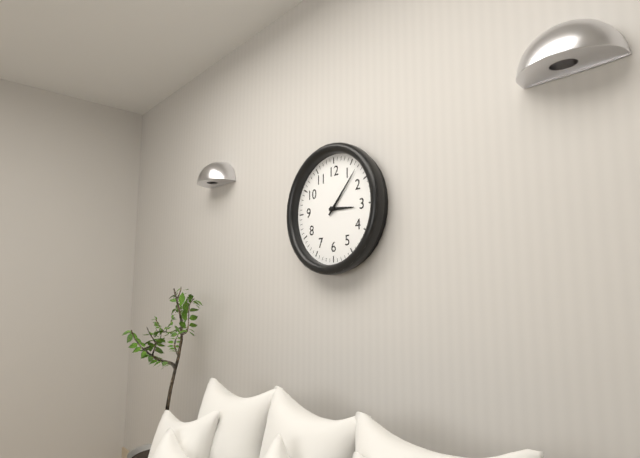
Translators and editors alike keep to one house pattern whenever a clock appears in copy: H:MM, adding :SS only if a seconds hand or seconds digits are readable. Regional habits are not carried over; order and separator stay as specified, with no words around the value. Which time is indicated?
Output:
3:07
